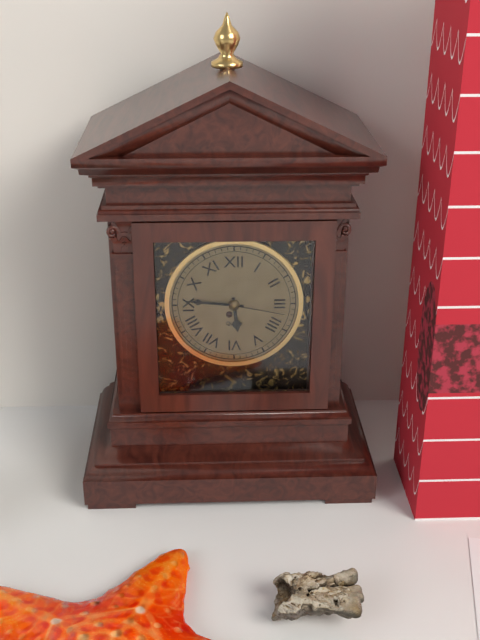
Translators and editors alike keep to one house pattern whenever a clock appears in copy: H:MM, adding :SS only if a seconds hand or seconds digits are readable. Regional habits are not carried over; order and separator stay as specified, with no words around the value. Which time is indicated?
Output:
5:46:17
